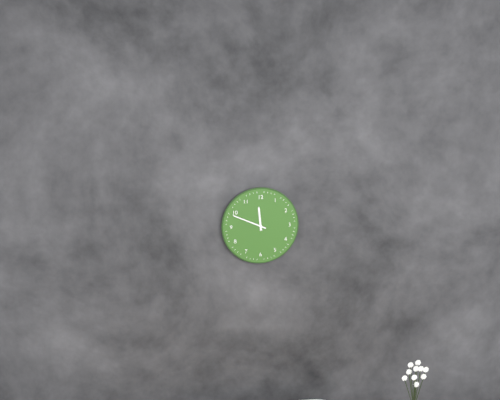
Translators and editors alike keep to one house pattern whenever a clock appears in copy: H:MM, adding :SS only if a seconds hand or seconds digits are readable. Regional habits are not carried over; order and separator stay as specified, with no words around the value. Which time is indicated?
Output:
11:49
